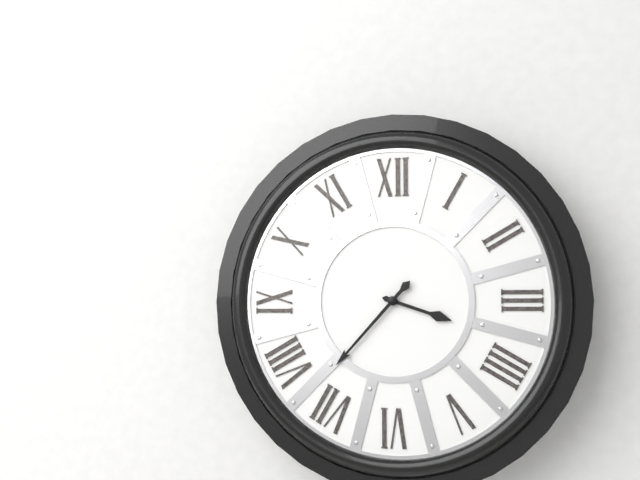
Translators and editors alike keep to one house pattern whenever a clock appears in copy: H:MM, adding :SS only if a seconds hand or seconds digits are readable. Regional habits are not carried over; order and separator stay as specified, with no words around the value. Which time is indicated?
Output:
3:37
